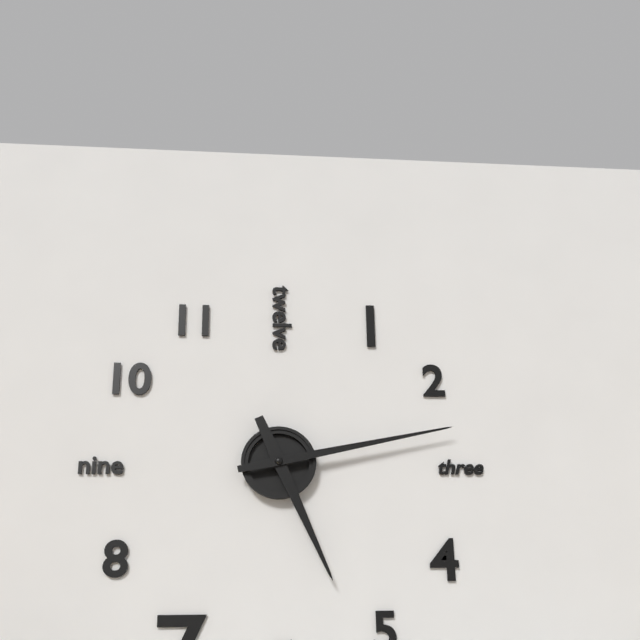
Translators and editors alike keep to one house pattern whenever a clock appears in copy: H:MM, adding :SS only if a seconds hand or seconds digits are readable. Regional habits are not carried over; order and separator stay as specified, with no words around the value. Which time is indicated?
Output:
5:13
